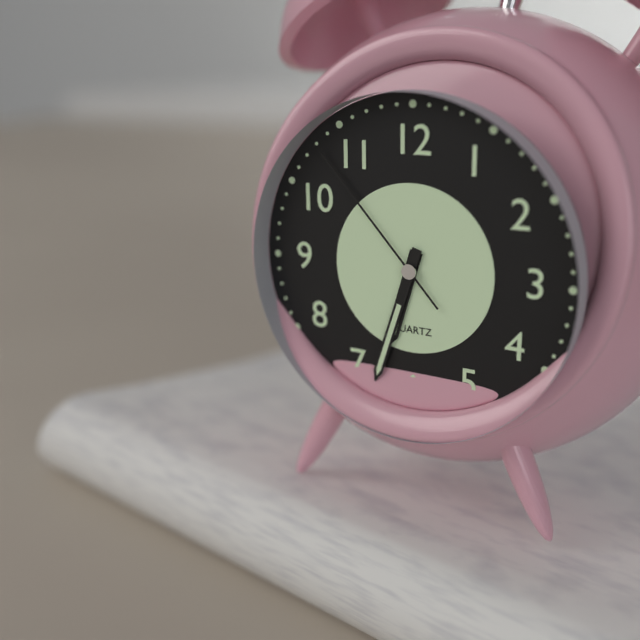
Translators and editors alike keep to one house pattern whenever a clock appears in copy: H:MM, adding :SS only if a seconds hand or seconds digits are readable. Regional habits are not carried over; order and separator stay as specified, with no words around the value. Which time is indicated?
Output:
6:33:53
